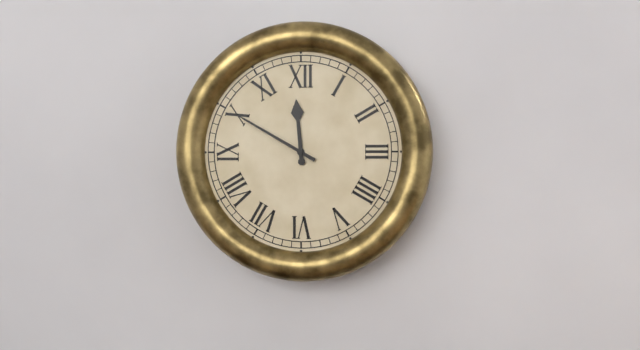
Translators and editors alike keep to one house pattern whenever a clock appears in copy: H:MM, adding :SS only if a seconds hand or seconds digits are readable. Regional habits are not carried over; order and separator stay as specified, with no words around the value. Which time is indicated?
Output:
11:50
